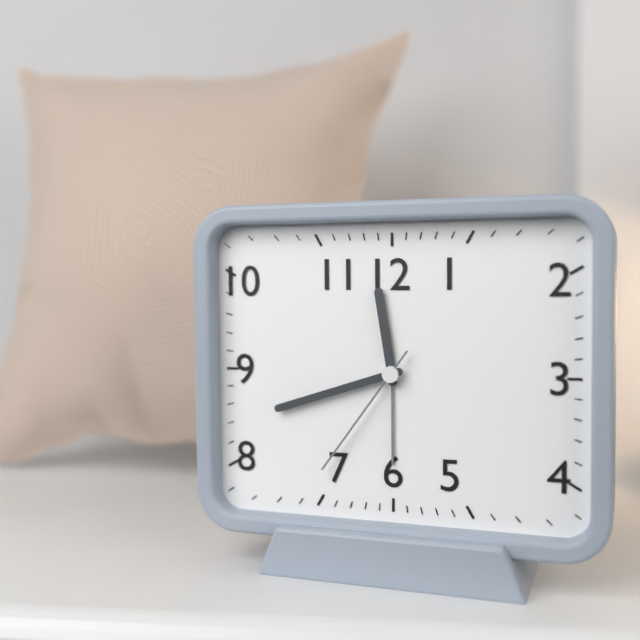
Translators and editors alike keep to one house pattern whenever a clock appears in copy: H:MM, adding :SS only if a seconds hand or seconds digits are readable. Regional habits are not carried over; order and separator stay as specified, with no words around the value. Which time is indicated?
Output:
11:42:36
